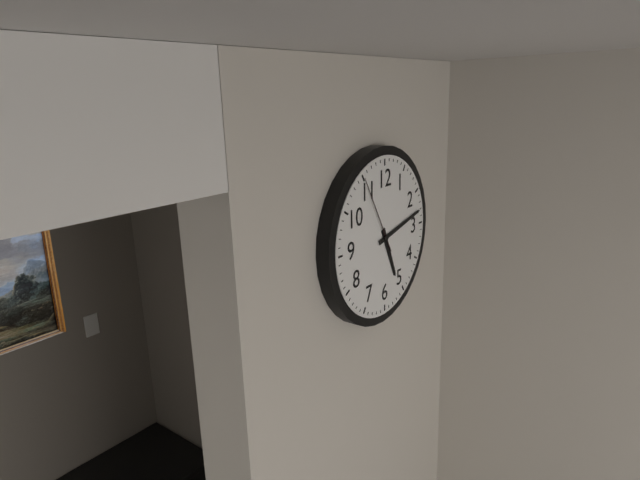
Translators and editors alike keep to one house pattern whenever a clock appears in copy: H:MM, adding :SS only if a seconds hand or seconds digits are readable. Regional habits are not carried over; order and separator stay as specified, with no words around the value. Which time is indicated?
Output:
5:13:55
